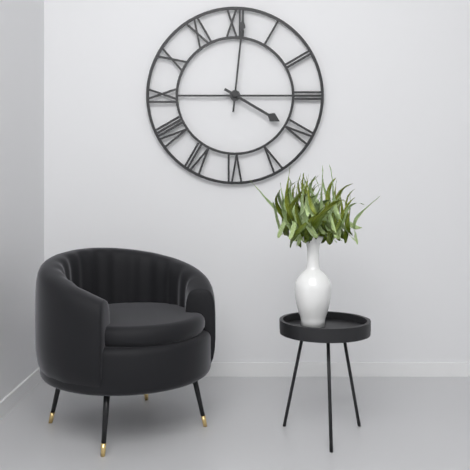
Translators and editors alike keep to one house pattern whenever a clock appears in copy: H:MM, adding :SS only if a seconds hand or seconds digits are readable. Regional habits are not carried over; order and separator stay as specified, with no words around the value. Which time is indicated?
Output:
4:01
